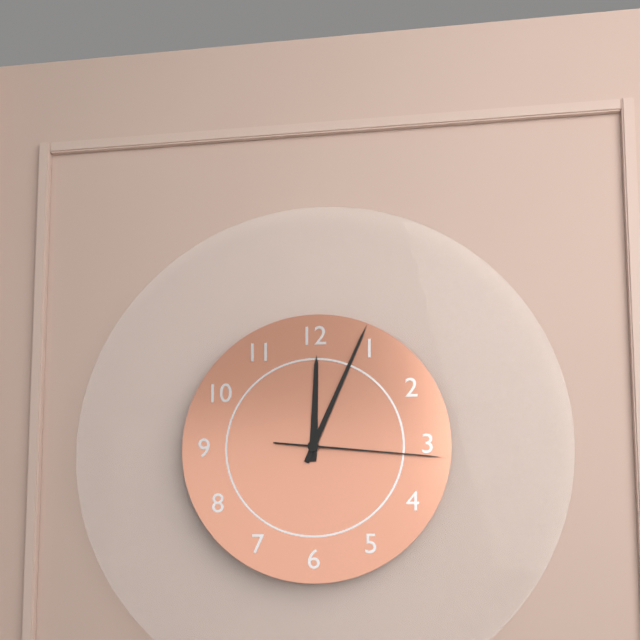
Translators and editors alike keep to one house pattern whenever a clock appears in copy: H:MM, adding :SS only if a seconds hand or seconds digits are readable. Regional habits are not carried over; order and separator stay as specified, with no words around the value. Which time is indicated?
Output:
12:04:16
